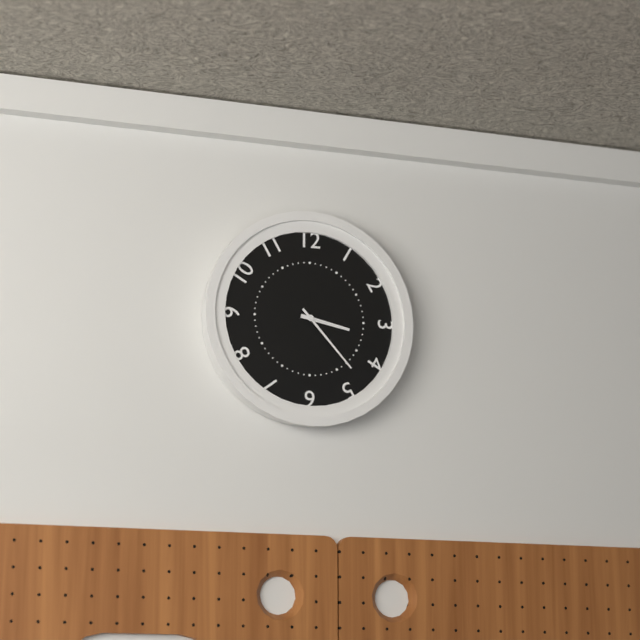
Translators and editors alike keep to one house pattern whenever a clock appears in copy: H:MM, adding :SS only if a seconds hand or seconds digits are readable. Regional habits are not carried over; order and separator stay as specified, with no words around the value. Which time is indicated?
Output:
3:23
